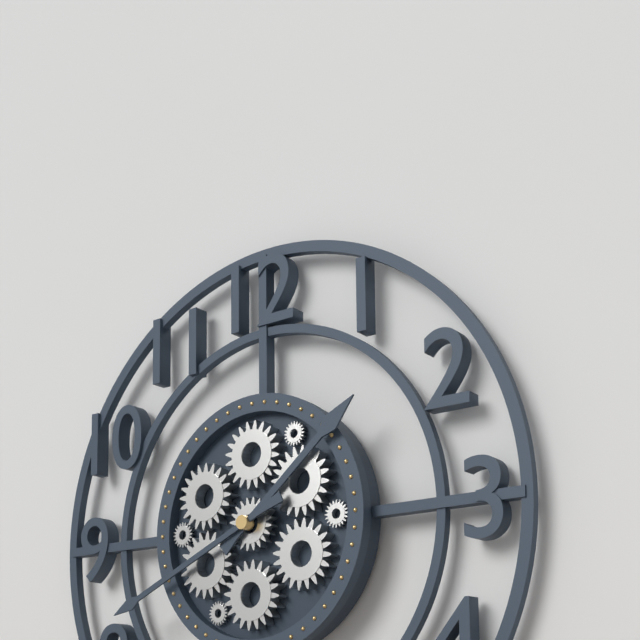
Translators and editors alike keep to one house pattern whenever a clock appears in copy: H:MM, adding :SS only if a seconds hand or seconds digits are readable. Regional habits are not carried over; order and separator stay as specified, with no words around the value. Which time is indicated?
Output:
1:41
